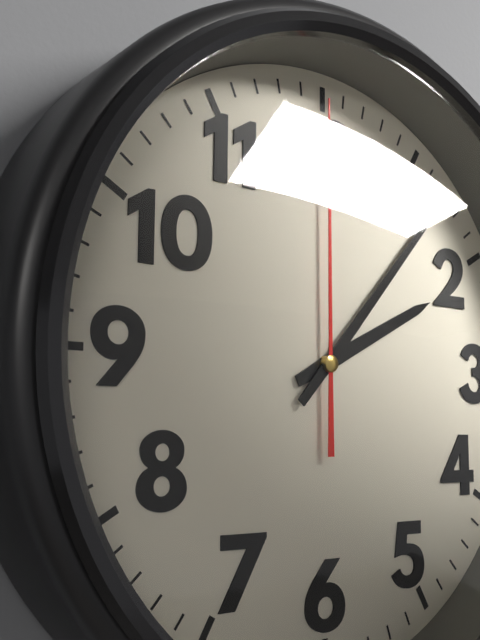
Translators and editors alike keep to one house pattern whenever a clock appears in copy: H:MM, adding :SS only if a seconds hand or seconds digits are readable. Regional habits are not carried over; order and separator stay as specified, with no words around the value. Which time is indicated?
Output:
2:07:00
